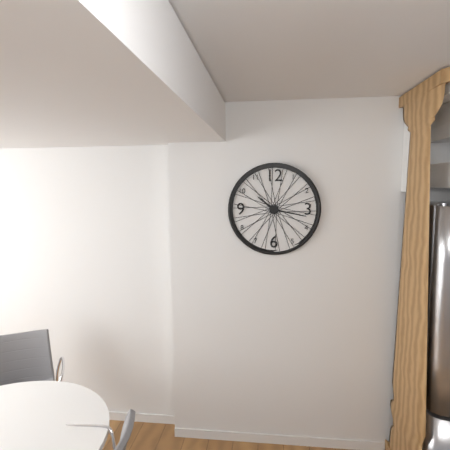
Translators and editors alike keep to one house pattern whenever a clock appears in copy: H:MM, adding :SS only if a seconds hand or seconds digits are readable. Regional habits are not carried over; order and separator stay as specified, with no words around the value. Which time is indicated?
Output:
10:17
